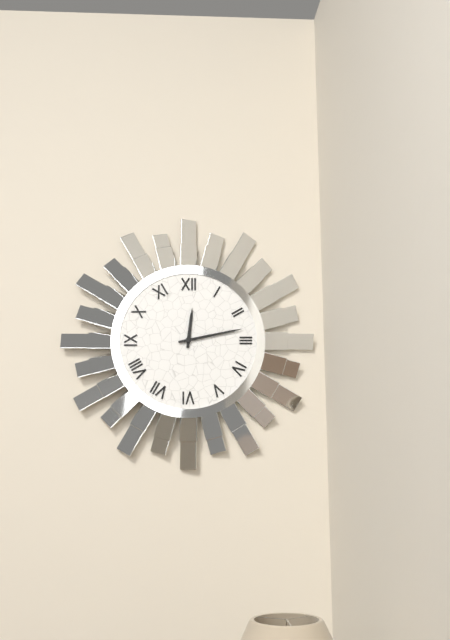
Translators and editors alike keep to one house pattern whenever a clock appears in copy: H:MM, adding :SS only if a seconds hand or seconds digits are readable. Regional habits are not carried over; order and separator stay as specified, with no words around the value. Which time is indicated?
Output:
12:13
